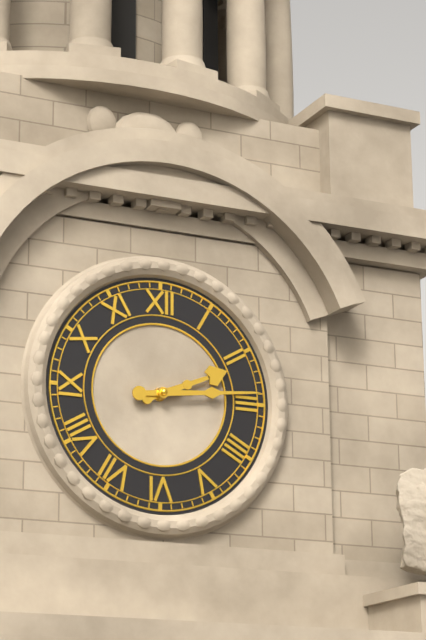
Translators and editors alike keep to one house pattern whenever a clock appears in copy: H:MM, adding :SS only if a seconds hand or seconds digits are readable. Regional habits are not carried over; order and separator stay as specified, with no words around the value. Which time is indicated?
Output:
2:14
